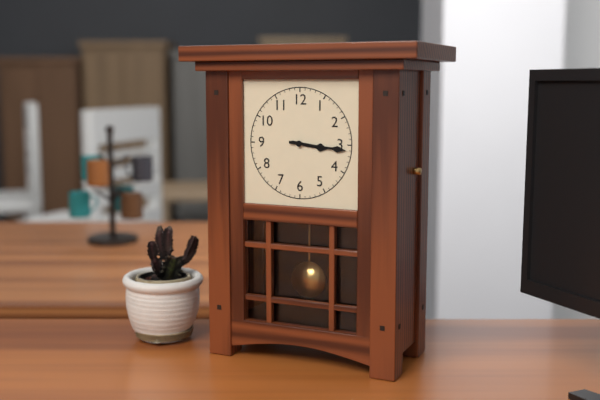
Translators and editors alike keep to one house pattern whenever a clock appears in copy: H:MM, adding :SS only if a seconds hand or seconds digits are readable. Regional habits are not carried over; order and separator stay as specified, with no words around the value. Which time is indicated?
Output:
3:16
